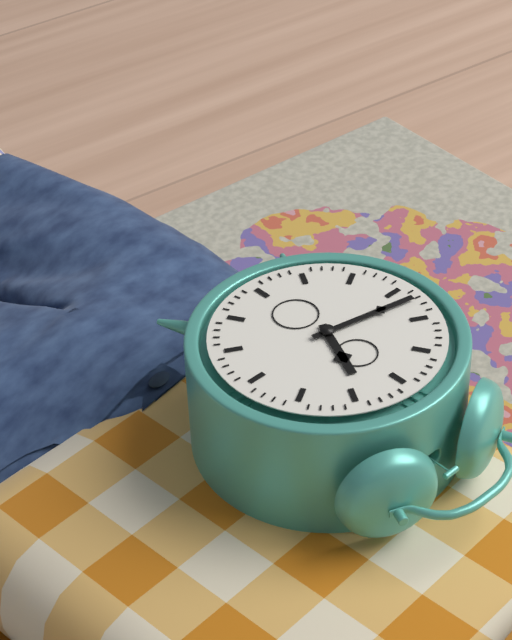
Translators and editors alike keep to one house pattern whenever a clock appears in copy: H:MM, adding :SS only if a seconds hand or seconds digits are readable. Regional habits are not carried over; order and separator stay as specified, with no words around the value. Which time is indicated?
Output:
12:47
